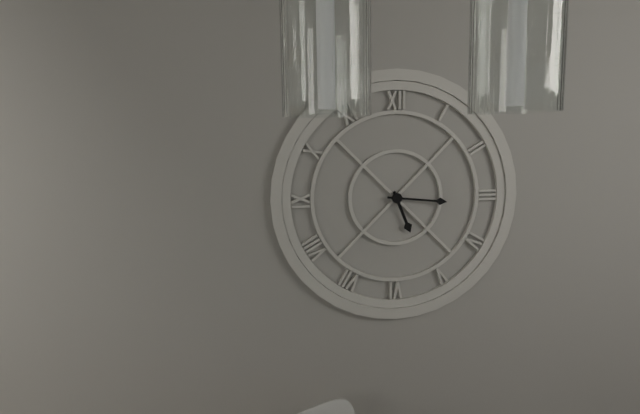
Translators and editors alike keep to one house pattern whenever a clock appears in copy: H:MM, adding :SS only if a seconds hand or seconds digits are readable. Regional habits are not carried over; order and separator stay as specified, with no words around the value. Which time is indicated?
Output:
5:16
